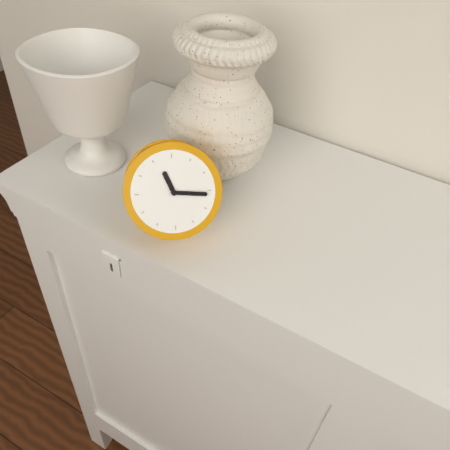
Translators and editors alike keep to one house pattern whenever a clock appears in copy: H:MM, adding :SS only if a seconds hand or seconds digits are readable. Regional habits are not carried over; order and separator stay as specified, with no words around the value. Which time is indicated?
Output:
11:16
